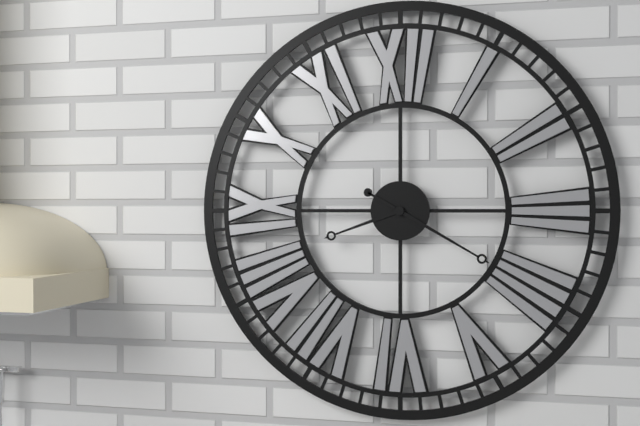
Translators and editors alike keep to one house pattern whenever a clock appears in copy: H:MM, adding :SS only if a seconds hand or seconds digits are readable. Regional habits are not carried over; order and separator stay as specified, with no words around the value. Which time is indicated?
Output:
8:20
